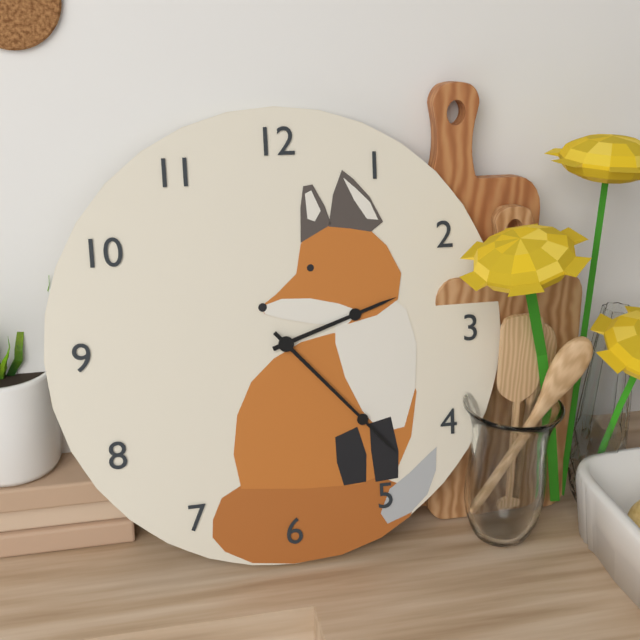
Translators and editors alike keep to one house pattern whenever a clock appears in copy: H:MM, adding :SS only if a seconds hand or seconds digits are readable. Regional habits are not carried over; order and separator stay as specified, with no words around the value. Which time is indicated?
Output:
2:23
